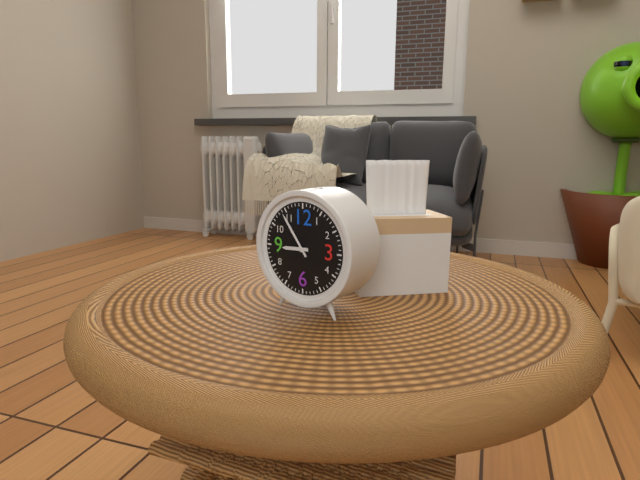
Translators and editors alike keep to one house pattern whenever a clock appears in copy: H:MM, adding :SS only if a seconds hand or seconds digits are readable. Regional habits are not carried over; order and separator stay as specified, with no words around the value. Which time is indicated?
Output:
8:54
